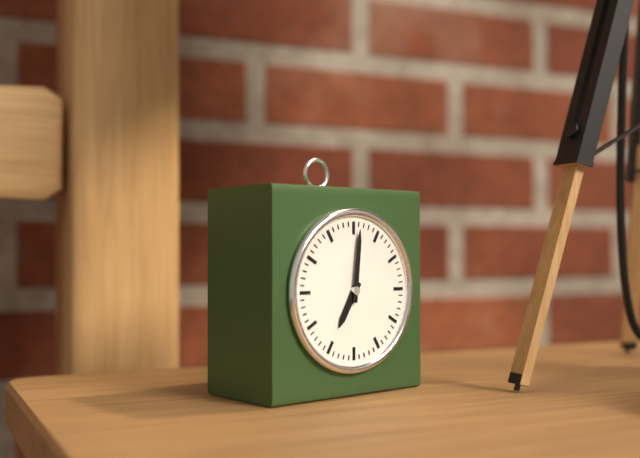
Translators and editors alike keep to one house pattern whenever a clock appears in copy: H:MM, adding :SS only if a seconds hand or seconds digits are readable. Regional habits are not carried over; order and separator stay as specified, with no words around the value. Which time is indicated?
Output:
7:01
